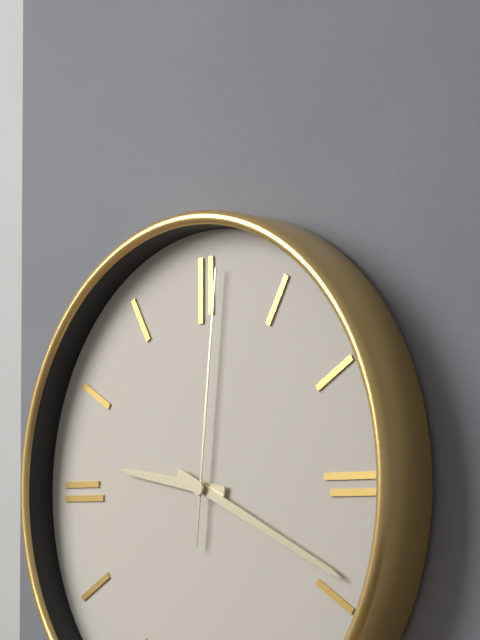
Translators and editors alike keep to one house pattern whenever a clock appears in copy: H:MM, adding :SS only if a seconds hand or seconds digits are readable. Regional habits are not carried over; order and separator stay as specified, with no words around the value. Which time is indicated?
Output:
9:19:01
